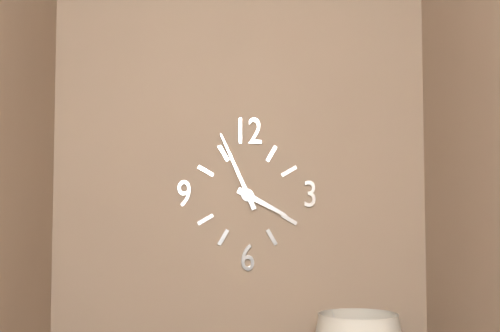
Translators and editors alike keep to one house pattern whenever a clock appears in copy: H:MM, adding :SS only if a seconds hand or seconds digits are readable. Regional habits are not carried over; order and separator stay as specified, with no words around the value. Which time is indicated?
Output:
3:56
